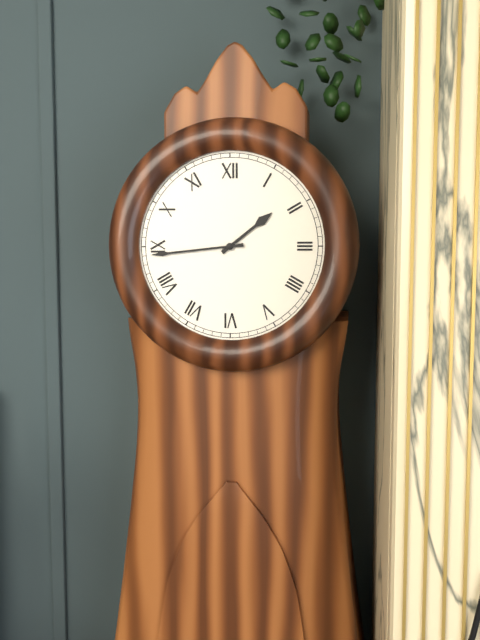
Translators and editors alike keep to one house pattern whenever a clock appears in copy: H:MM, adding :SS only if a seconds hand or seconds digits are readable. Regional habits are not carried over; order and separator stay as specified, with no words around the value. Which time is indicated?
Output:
1:44
